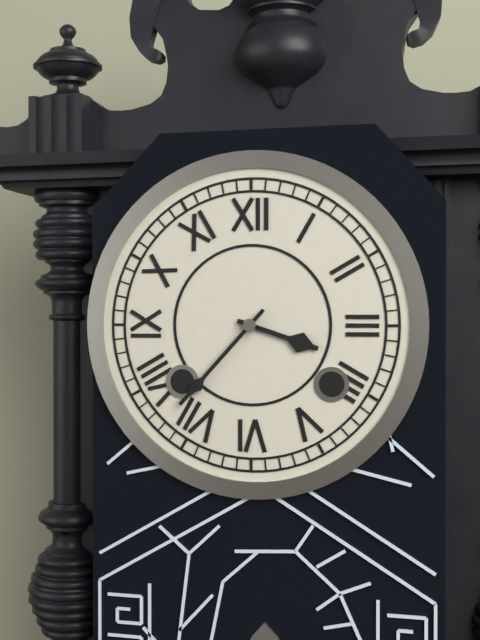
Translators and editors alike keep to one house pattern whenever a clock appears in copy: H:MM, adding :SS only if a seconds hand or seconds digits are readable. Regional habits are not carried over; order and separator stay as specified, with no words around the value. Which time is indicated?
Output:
3:37
